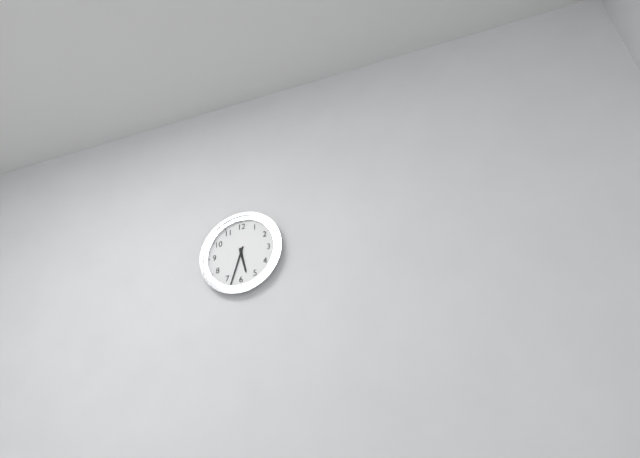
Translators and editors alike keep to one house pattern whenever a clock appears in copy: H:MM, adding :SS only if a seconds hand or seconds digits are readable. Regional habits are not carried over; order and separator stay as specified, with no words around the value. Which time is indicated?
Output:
5:33
